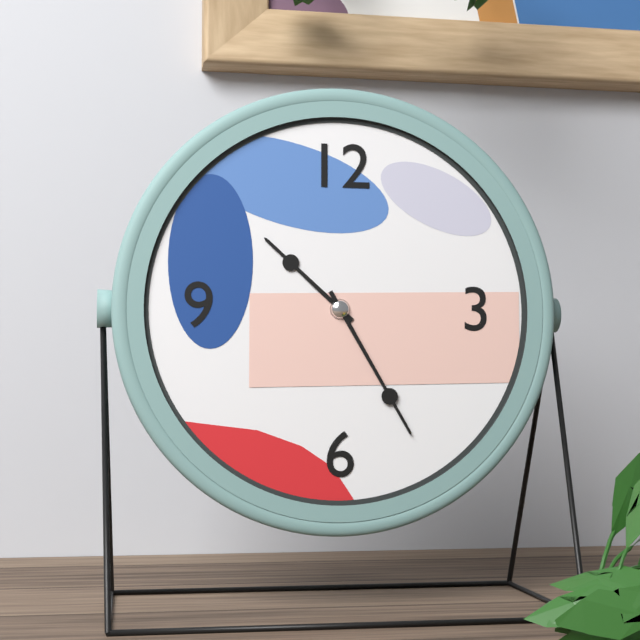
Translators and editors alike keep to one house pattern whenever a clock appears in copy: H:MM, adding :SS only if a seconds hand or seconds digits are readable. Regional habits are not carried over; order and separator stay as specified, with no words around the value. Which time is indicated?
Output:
10:25
